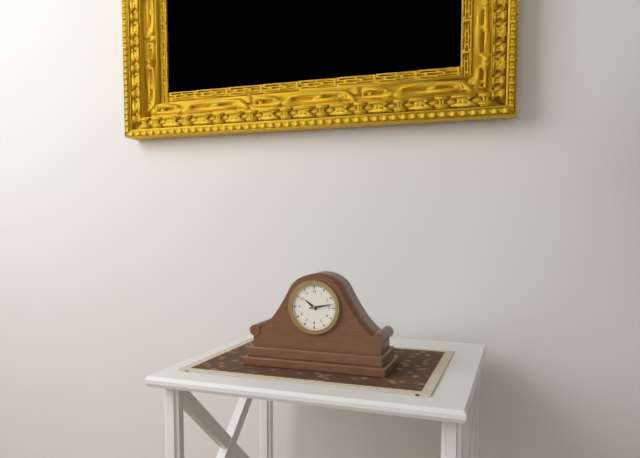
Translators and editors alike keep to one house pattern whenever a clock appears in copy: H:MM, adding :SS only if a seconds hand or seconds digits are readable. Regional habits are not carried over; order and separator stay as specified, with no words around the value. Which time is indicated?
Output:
10:13
